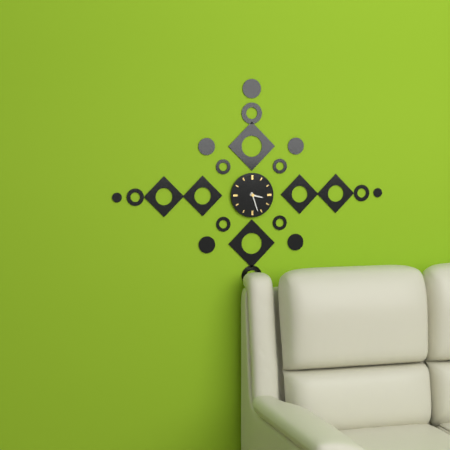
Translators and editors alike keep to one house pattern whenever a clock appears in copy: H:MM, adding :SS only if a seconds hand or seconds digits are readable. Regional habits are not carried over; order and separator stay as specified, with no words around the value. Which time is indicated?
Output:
3:27
